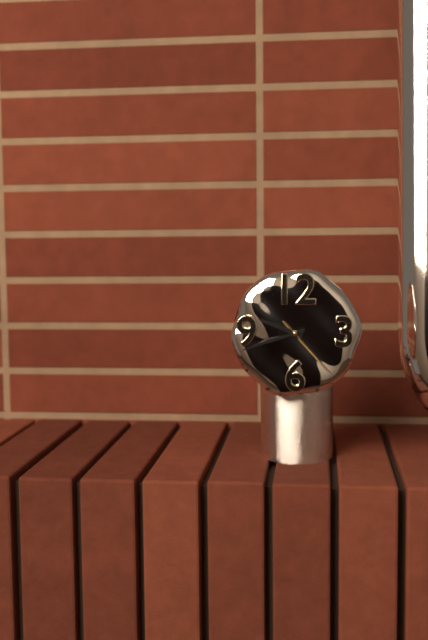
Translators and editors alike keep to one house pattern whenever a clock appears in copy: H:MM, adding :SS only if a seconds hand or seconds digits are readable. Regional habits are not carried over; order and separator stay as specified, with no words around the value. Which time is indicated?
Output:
9:42:23
